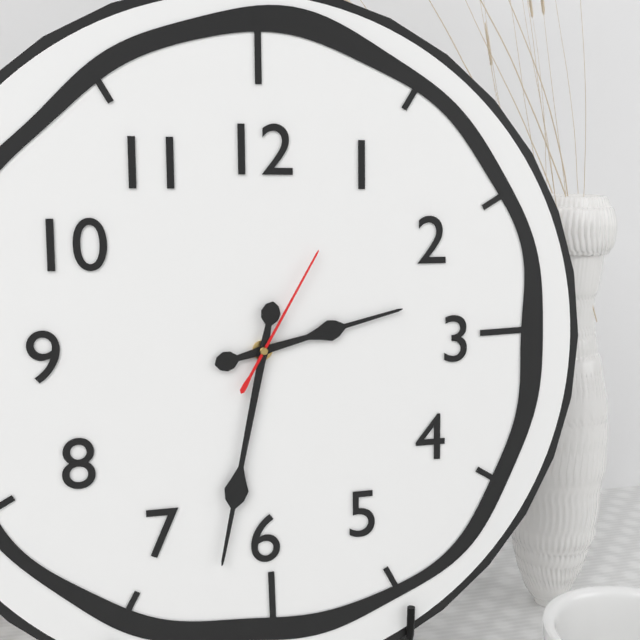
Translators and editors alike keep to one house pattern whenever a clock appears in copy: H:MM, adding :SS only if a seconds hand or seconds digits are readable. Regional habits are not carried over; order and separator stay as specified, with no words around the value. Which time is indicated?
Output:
2:32:05
